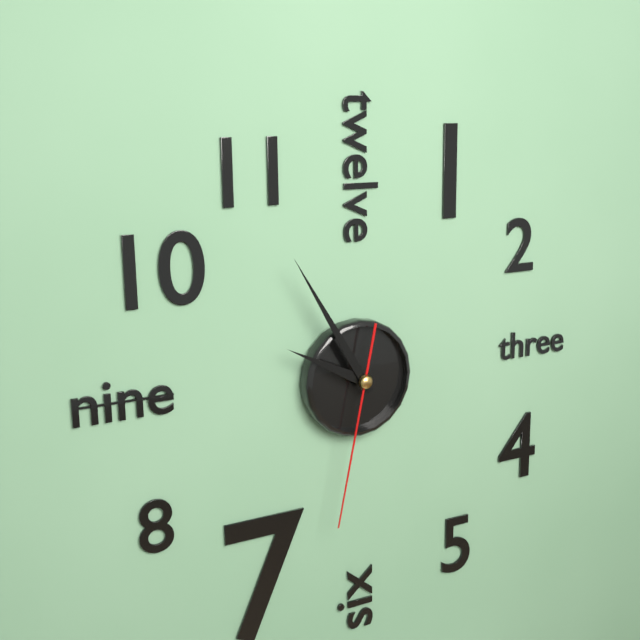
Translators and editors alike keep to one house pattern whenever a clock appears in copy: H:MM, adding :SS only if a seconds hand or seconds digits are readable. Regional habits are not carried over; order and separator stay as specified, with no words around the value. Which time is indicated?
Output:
9:55:32
